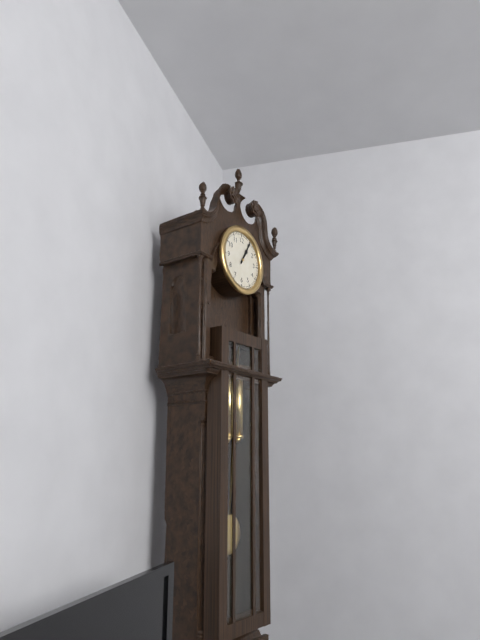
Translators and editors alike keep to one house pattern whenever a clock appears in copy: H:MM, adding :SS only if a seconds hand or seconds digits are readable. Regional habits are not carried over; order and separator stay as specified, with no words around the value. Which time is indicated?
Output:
1:05
